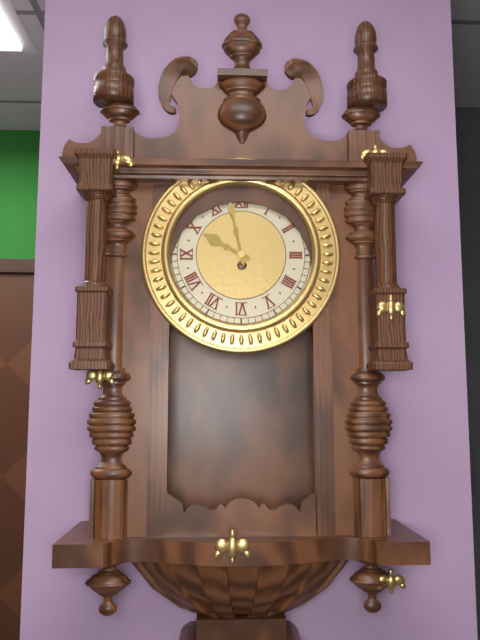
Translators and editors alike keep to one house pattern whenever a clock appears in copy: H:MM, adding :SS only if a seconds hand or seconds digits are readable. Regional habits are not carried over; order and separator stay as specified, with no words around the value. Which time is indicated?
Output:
9:58
